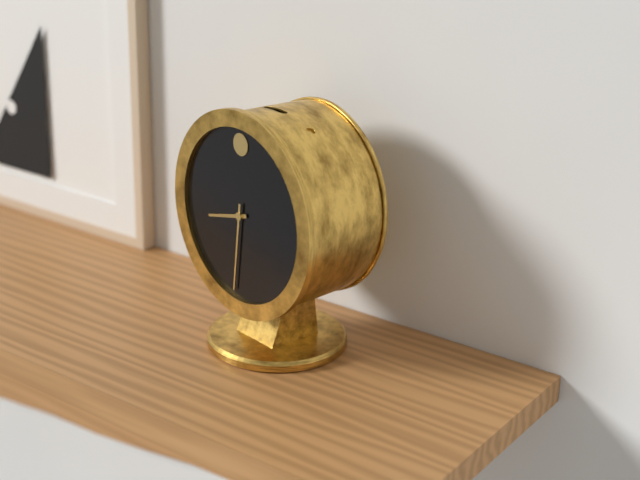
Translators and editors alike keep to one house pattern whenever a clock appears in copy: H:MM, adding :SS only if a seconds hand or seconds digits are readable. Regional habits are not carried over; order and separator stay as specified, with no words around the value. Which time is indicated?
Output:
8:31
